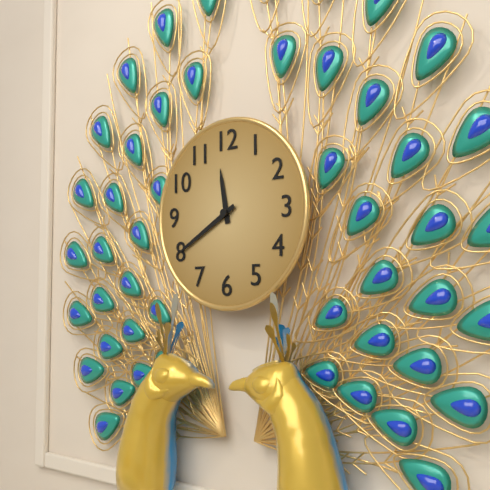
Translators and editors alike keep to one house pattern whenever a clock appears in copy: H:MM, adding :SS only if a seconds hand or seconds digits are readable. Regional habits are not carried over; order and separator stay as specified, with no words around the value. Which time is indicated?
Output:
11:40
